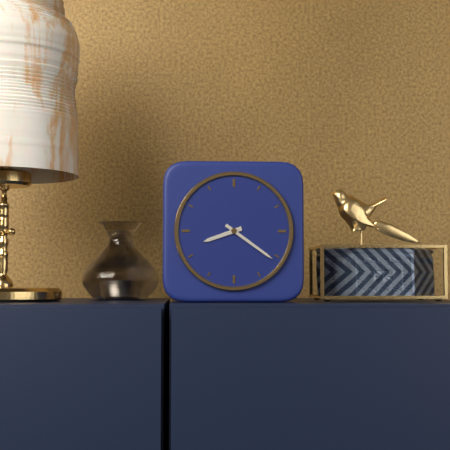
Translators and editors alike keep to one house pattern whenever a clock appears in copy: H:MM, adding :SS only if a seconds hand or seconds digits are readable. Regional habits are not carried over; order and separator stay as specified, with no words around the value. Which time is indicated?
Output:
8:21
